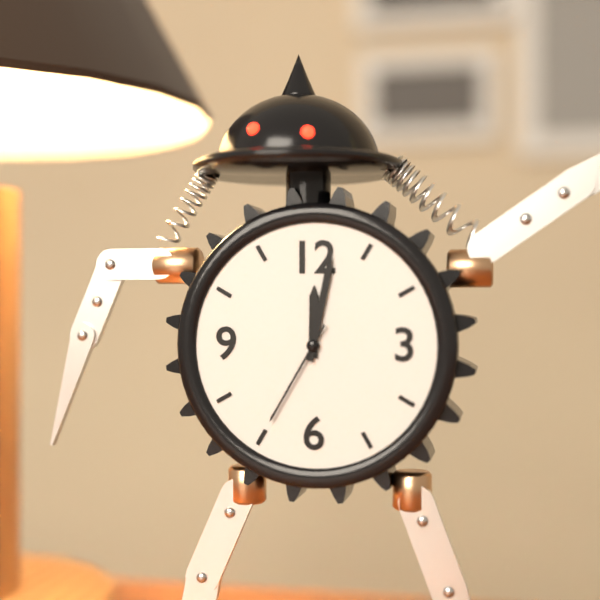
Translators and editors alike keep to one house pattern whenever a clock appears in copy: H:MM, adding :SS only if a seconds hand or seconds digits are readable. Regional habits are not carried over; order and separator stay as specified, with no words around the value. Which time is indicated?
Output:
12:02:35
